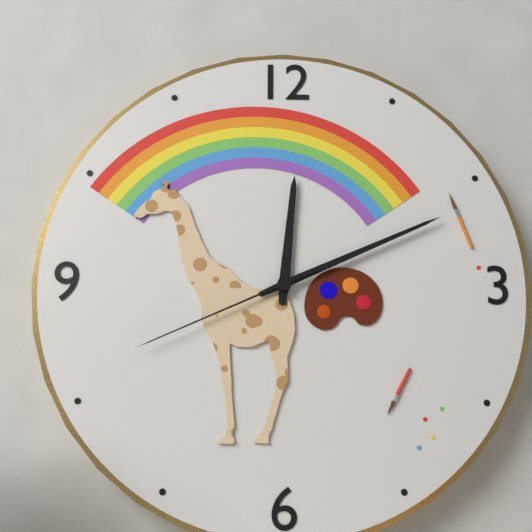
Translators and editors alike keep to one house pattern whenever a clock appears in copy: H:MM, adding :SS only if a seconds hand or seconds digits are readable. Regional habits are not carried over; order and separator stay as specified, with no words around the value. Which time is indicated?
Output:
12:11:41
